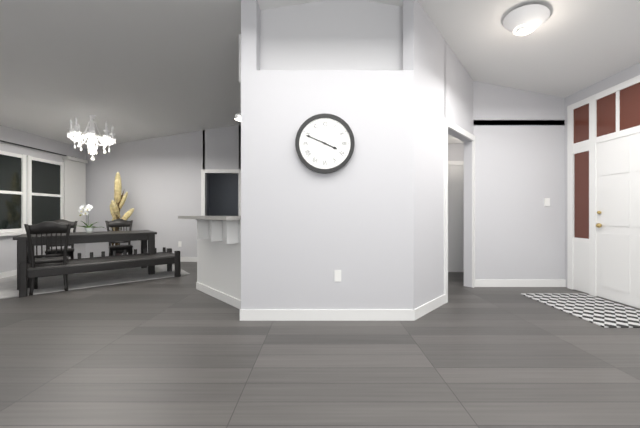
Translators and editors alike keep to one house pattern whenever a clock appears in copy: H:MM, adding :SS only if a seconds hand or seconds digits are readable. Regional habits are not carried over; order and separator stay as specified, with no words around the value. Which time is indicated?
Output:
3:49
